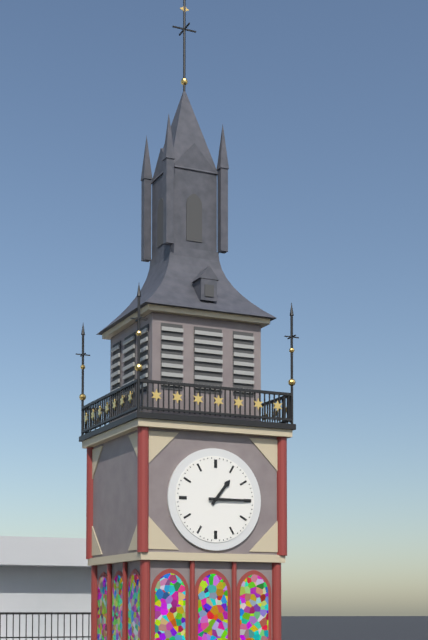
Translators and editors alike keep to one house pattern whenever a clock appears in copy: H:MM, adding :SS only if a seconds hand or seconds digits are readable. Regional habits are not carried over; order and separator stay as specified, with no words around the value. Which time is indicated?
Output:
1:15
